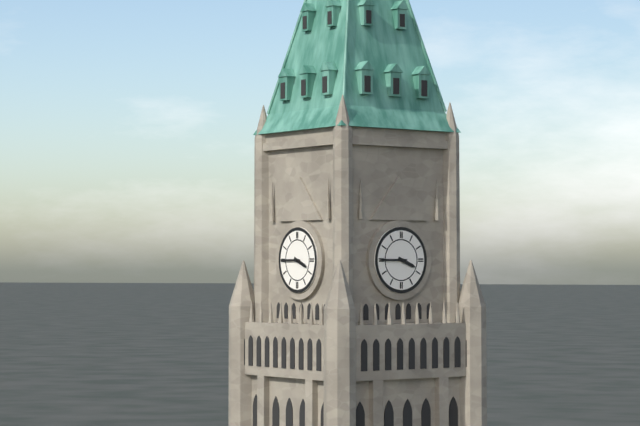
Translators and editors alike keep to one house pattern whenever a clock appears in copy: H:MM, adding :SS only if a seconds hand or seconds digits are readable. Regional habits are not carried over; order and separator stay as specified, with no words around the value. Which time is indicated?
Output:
3:45
